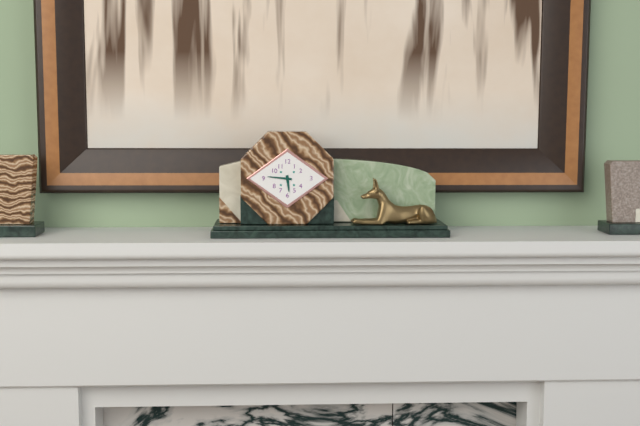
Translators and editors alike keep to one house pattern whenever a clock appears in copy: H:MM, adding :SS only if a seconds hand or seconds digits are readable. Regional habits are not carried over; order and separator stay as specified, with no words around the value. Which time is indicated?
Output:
5:46
